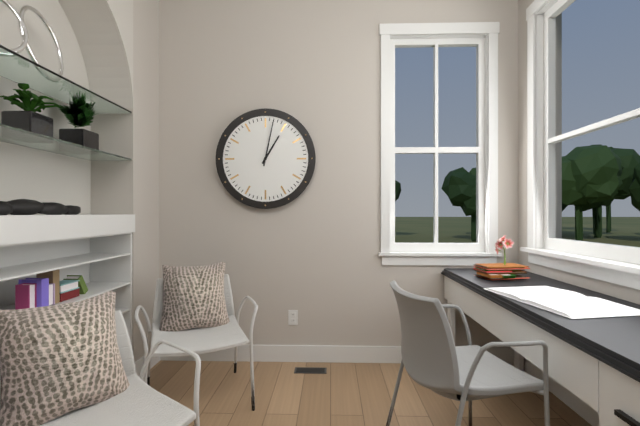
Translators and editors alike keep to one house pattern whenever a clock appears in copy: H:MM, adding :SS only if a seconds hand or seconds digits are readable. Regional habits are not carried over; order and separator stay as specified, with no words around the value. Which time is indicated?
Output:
1:02
